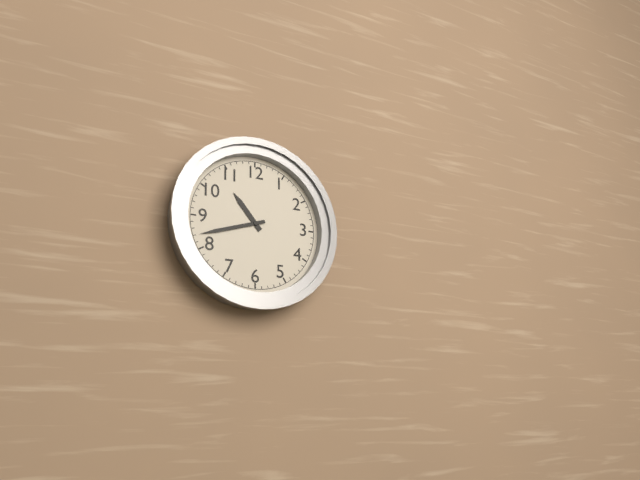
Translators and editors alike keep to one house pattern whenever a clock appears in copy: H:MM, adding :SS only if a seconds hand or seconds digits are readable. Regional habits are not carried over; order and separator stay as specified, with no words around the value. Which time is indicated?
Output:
10:42
